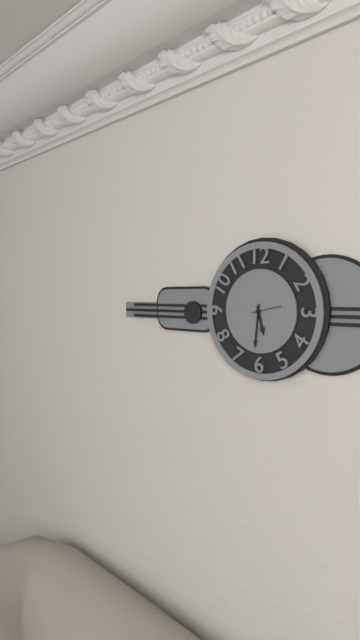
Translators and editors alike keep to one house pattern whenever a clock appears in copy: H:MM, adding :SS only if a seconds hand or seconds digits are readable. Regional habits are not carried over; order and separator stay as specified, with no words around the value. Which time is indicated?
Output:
5:31
